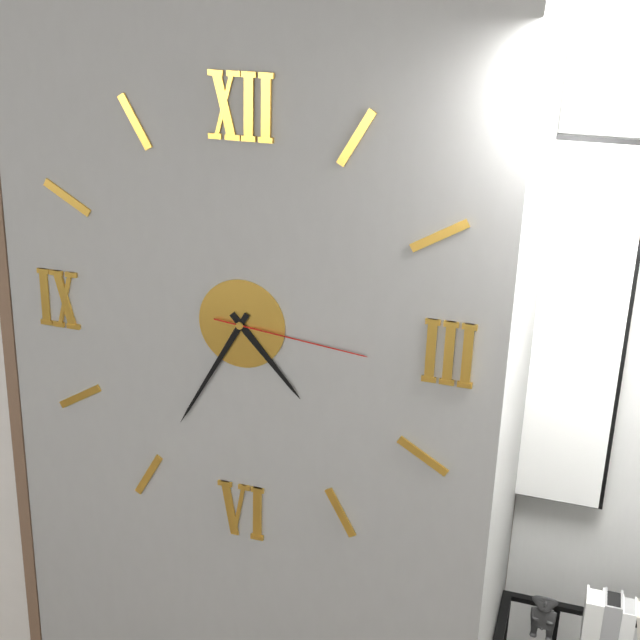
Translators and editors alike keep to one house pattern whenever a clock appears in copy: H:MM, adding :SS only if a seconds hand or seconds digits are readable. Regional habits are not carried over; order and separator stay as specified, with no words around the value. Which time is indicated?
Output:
4:35:16
